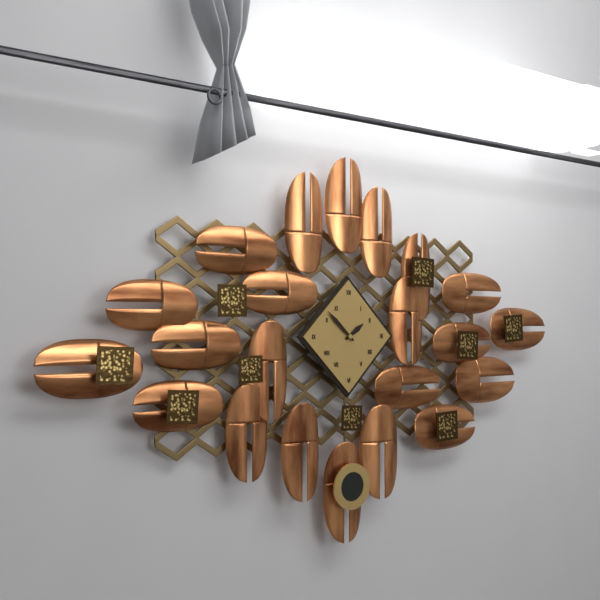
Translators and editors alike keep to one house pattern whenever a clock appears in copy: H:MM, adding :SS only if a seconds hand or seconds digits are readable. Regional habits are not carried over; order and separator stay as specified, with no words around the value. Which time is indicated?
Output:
1:52
